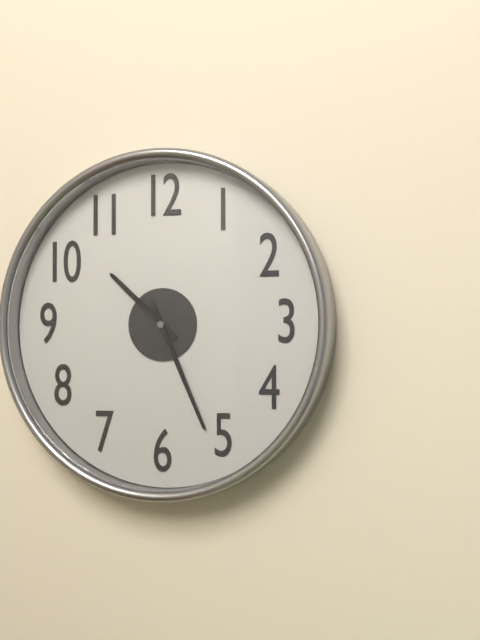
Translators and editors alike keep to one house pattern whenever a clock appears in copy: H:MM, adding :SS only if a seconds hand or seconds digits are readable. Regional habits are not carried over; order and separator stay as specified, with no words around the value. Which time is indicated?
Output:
10:26
